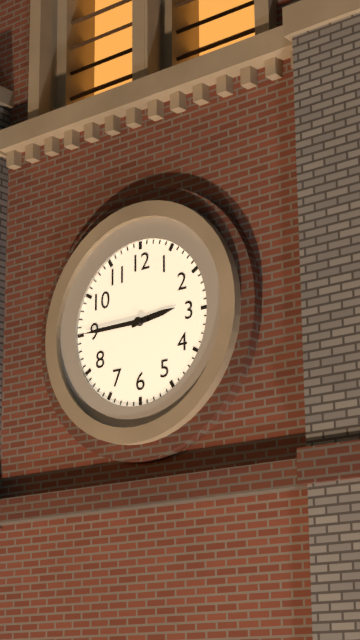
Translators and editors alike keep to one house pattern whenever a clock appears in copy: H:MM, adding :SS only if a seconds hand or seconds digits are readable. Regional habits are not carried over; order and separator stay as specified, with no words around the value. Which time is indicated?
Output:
2:45
